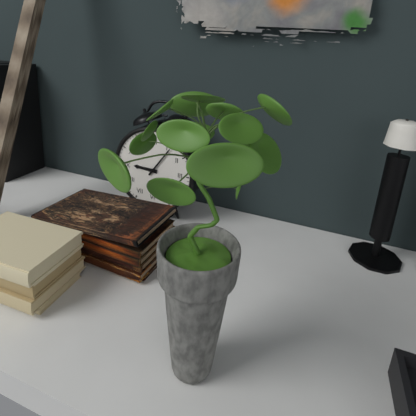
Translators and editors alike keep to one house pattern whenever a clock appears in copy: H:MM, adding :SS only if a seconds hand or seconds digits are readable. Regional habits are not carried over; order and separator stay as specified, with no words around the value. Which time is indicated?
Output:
9:06
